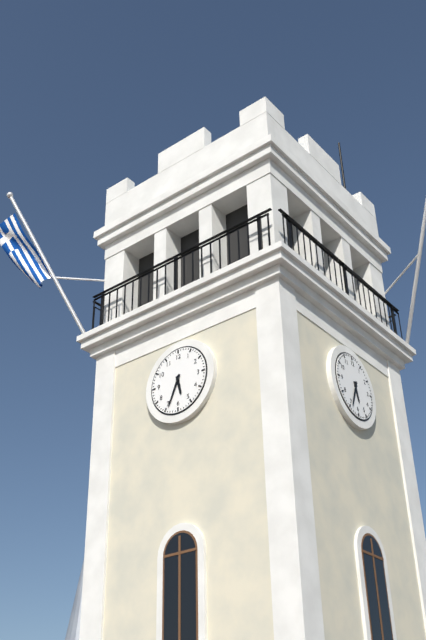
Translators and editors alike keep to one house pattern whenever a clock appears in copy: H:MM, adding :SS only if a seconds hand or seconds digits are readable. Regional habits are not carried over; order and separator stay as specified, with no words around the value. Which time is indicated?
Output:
5:34
